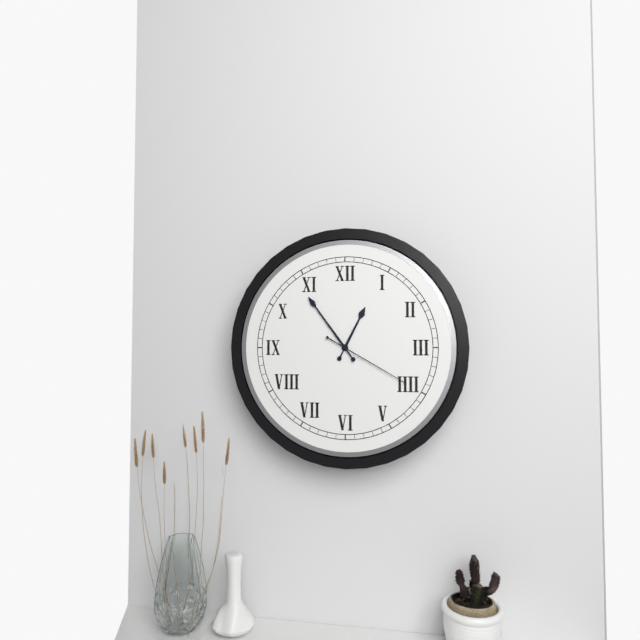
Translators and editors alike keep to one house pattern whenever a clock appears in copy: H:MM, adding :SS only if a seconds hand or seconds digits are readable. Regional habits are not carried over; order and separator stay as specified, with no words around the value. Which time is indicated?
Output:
12:54:20
